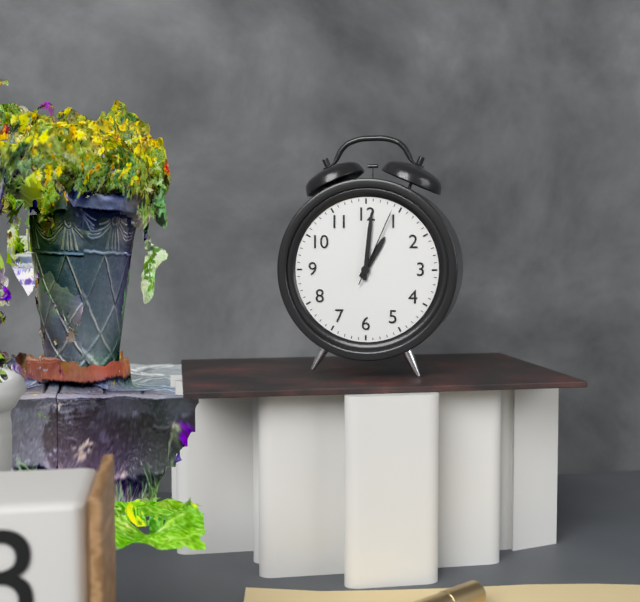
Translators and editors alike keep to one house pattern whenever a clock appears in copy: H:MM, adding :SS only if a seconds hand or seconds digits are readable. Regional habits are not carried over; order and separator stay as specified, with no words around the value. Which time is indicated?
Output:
1:01:04
